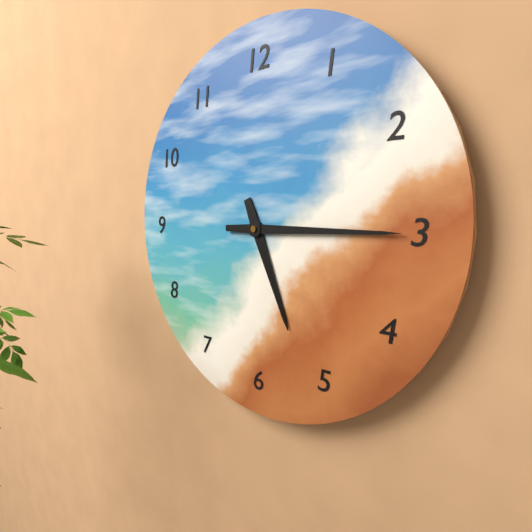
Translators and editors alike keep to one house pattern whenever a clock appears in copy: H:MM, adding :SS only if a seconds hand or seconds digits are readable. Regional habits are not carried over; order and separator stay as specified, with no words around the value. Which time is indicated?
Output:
5:15
